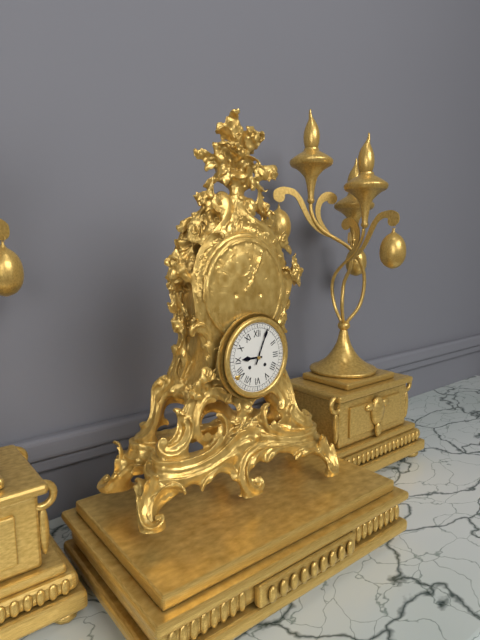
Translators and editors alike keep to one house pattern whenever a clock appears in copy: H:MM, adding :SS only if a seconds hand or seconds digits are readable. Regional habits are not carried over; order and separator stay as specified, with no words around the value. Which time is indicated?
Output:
9:04
